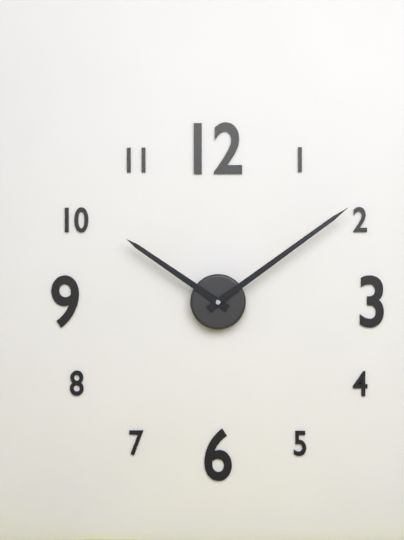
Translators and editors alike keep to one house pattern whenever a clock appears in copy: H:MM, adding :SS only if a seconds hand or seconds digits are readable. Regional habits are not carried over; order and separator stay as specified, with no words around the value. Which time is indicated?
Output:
10:09
